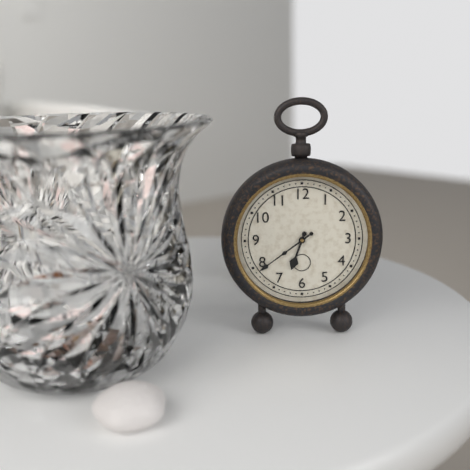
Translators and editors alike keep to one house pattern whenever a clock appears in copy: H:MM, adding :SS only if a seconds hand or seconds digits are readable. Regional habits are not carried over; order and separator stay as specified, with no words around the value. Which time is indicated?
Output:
6:39
